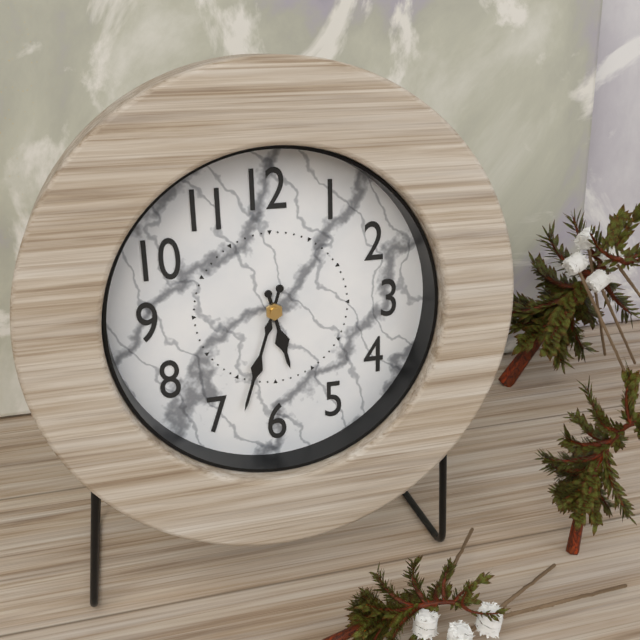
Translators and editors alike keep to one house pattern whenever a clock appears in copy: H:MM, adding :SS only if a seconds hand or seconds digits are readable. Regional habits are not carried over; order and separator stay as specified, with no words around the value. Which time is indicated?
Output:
5:33
